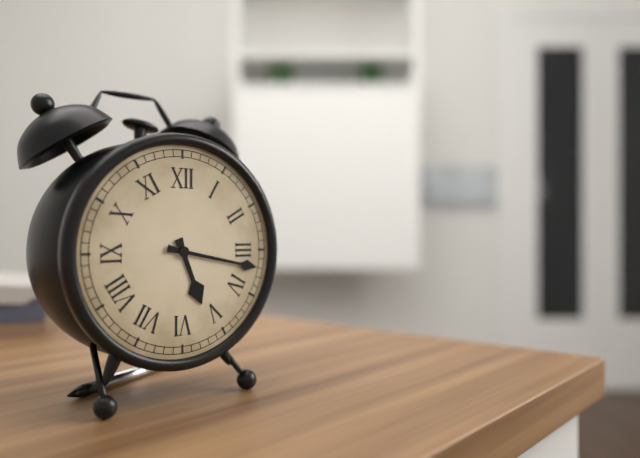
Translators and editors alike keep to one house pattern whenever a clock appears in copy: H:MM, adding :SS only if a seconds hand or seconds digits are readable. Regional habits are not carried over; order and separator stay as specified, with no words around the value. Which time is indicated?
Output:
5:17
